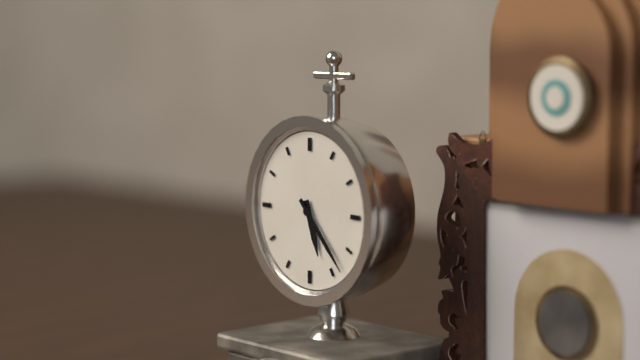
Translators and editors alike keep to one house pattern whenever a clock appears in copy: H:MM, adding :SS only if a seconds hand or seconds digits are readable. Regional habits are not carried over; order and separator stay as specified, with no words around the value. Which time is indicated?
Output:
5:23
